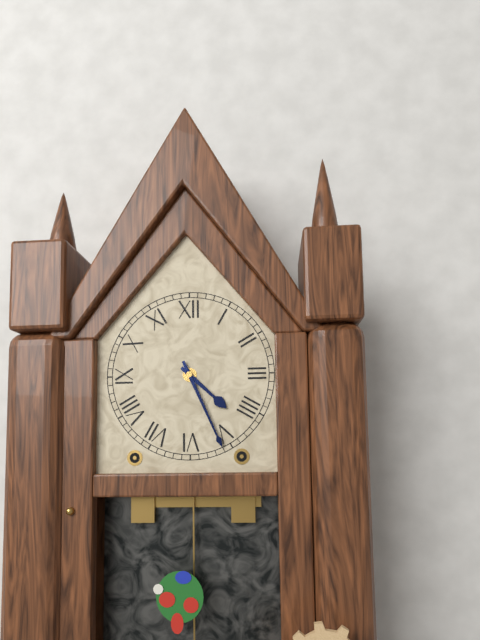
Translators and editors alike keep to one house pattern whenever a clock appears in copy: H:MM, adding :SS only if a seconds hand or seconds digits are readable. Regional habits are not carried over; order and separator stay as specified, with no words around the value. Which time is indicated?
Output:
4:26
